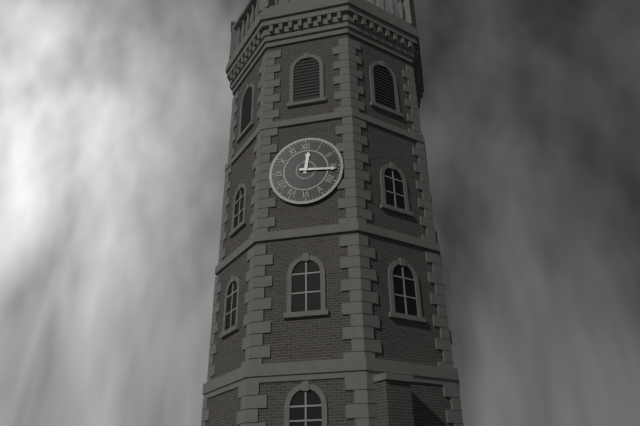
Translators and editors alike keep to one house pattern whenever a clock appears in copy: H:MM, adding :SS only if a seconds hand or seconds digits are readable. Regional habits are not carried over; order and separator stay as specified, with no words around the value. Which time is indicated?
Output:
12:16
